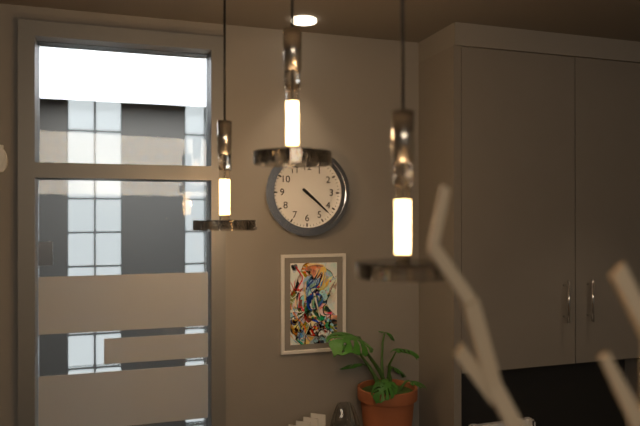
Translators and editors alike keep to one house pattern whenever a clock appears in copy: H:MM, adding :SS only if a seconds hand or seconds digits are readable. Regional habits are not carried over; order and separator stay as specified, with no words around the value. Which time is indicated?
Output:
4:22
